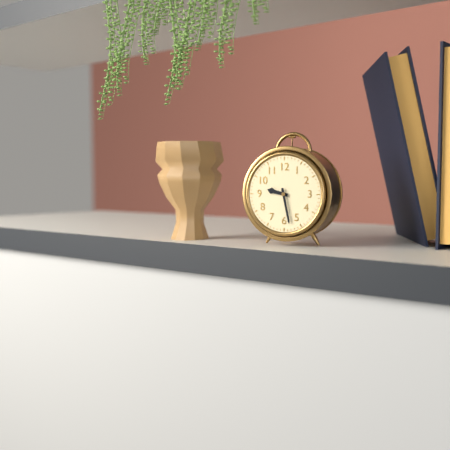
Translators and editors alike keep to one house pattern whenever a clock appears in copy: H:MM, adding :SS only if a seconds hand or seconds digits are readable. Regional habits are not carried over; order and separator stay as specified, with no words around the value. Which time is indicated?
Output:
9:28
